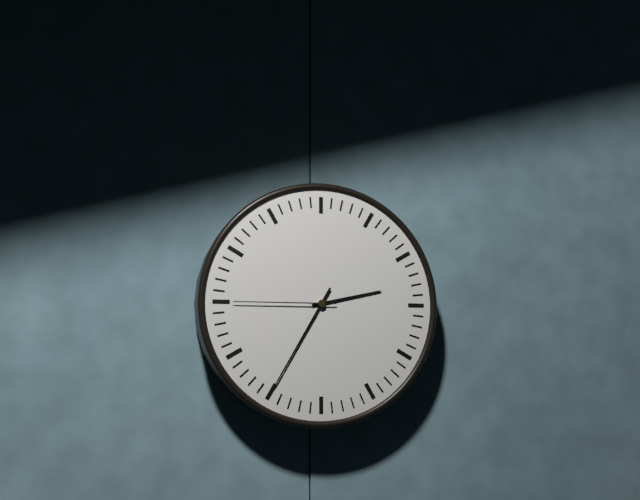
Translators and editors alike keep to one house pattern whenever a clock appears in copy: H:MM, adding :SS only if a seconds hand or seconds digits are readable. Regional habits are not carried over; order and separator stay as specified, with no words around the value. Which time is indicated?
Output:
2:35:45
